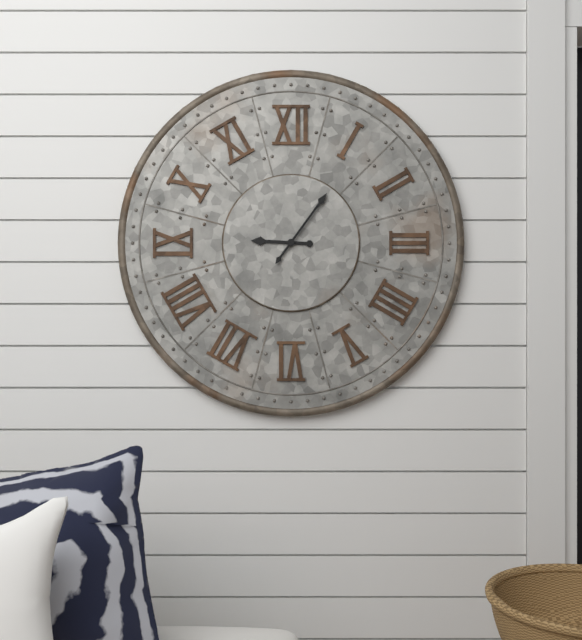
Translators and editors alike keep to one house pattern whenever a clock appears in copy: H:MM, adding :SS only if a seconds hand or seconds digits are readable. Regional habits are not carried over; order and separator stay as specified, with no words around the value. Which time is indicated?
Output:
9:06
